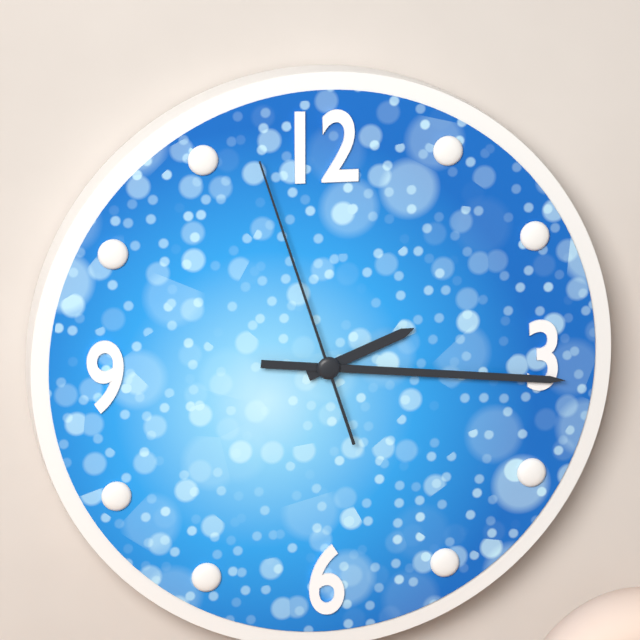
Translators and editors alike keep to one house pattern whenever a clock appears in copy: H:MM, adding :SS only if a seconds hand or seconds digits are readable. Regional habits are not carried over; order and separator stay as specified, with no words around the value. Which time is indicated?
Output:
2:16:57
